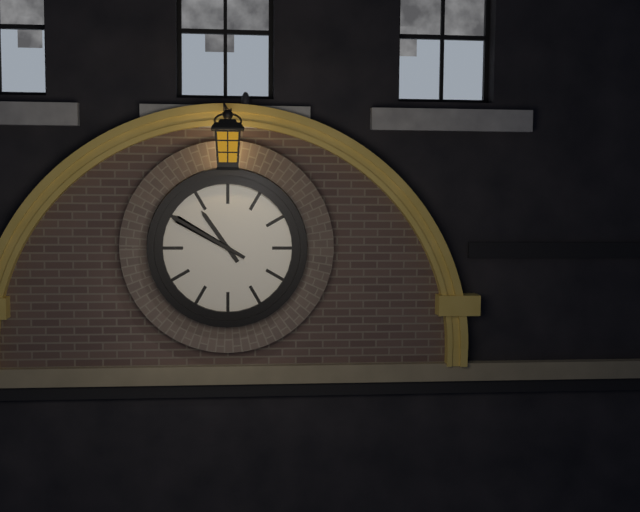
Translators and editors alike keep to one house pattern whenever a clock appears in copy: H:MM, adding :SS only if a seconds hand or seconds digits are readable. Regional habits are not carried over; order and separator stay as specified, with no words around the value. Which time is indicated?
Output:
10:50
